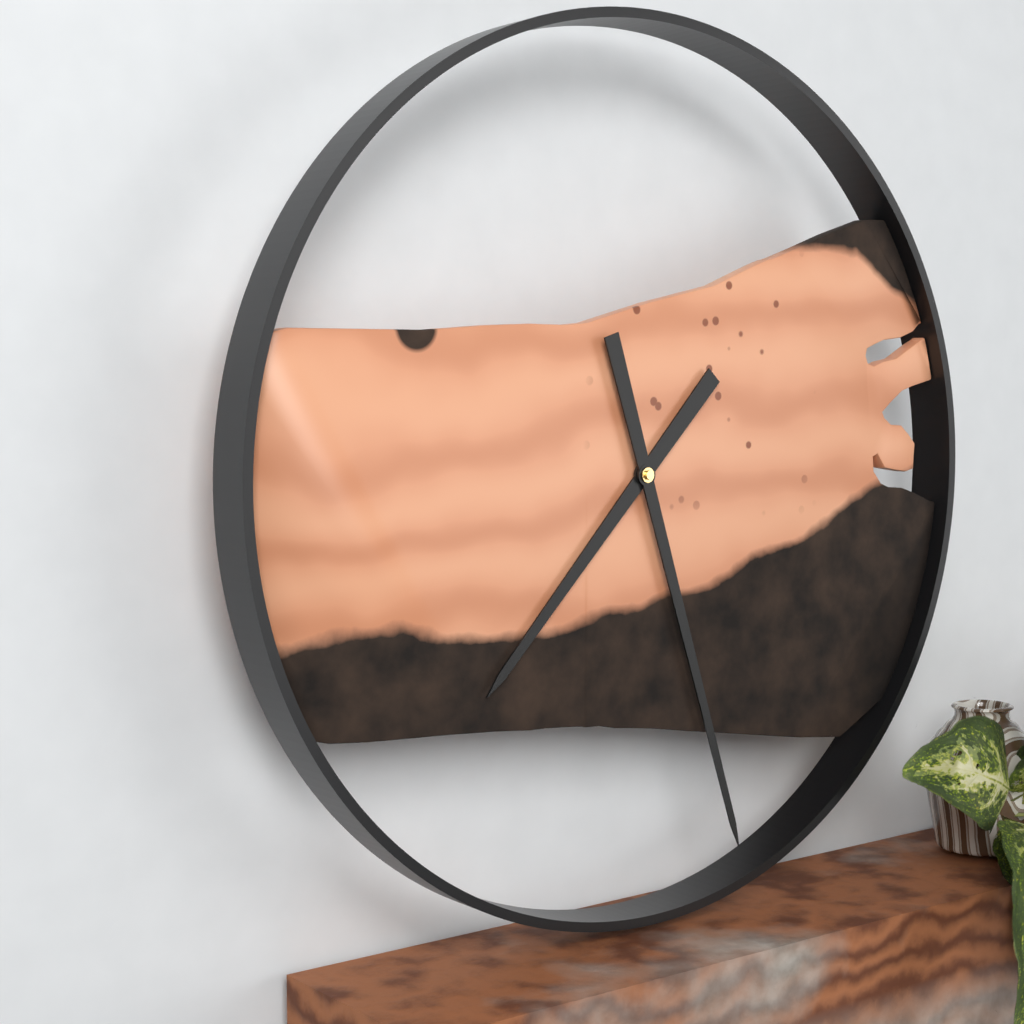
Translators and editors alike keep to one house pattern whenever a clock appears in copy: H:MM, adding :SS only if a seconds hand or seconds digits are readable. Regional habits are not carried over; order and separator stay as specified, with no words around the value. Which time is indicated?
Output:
7:27
